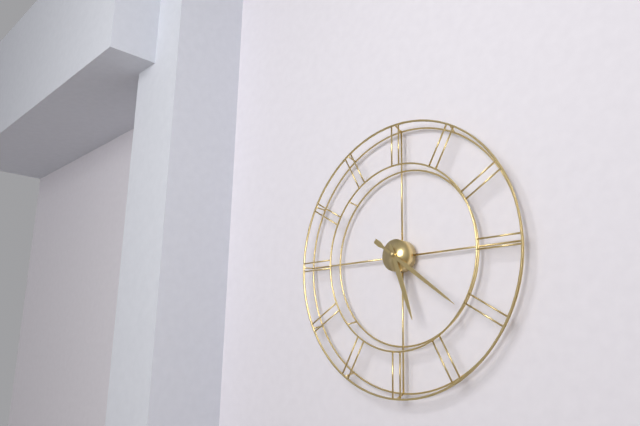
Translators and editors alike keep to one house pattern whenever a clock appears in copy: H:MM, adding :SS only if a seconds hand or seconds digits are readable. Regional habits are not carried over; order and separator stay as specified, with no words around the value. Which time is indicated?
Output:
5:21
